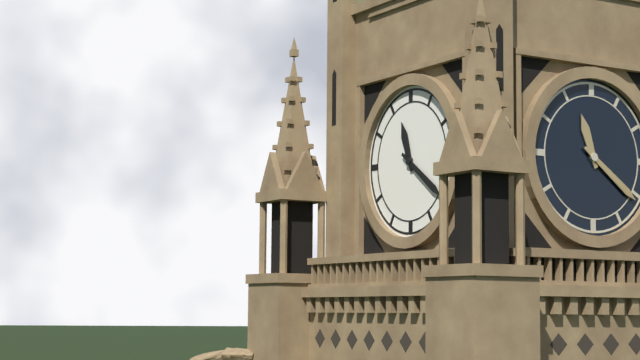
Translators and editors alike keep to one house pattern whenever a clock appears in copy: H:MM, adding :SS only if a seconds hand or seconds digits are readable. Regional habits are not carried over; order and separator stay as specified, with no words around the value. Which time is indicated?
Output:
11:21
